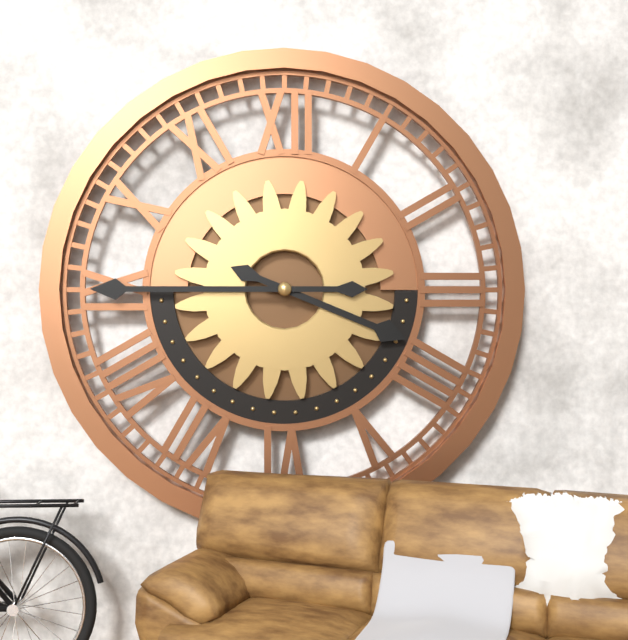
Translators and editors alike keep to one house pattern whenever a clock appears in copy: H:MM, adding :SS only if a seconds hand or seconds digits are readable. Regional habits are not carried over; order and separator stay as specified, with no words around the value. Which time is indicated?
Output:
3:45
